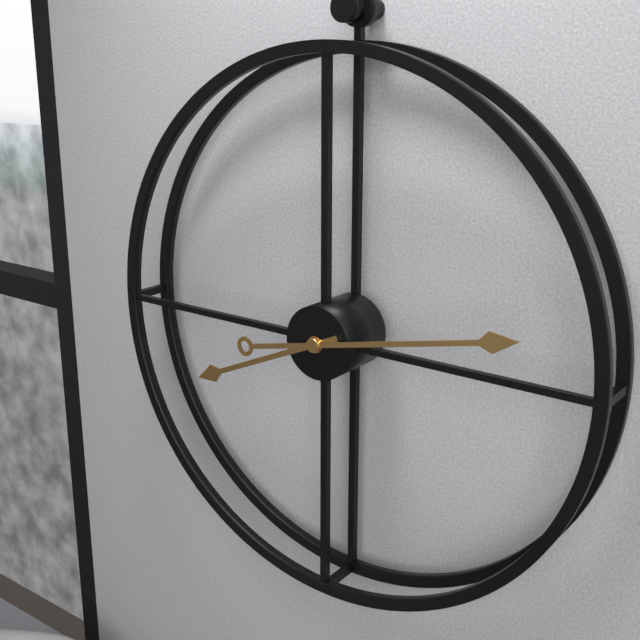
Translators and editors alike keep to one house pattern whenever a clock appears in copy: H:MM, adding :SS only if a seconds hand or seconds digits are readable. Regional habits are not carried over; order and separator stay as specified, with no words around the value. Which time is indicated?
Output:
8:13
